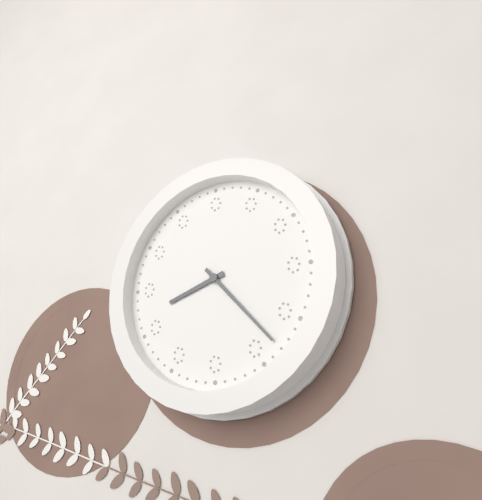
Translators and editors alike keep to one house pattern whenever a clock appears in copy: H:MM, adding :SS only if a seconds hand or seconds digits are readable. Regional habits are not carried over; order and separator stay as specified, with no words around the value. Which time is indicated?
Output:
8:23
